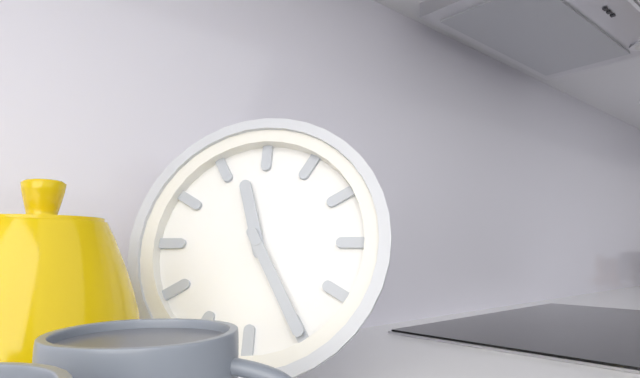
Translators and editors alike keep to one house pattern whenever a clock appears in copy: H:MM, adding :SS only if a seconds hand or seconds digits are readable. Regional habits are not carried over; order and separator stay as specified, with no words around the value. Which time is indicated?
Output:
11:25
